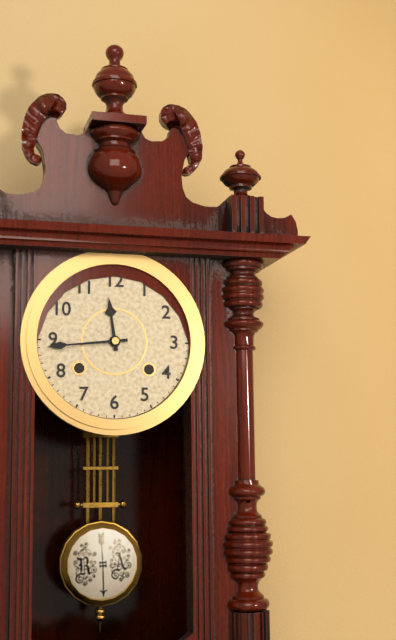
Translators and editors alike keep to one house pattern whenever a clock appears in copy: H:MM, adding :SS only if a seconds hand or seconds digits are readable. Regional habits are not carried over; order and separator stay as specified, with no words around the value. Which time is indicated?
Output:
11:44
